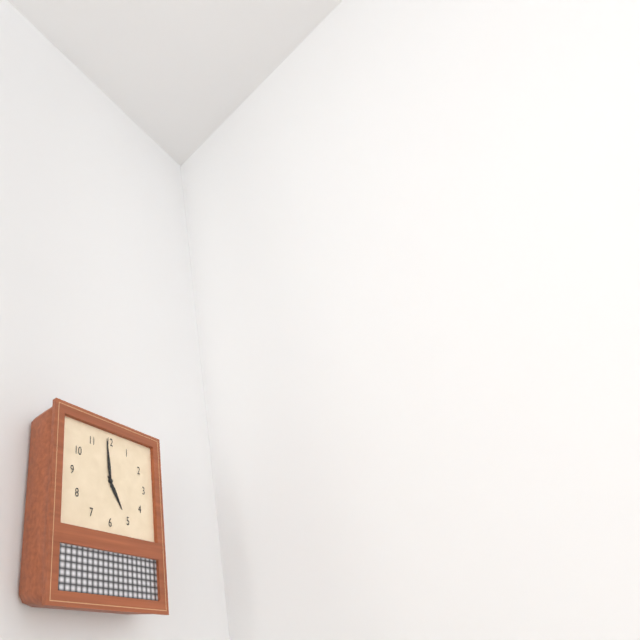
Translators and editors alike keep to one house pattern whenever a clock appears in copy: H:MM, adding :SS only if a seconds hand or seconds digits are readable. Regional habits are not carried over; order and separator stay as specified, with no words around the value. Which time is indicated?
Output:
4:59
